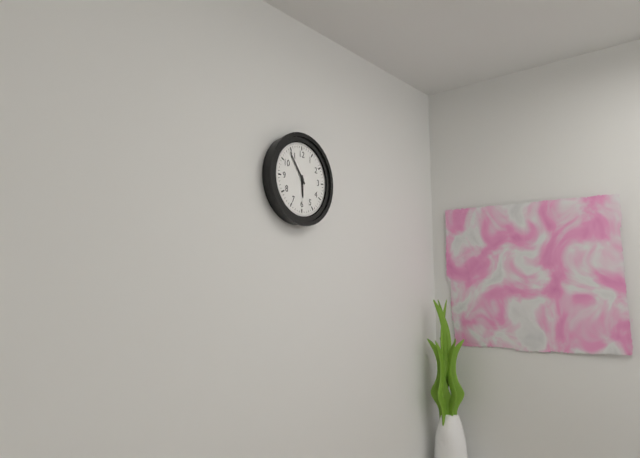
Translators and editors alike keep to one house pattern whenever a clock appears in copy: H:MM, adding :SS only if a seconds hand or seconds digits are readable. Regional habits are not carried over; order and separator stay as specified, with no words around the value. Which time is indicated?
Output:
5:54
